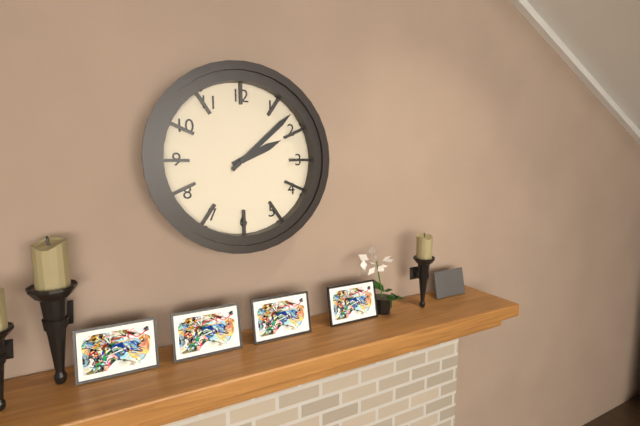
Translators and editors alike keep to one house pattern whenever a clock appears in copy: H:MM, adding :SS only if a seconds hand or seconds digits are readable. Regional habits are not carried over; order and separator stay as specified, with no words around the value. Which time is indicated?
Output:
2:08
